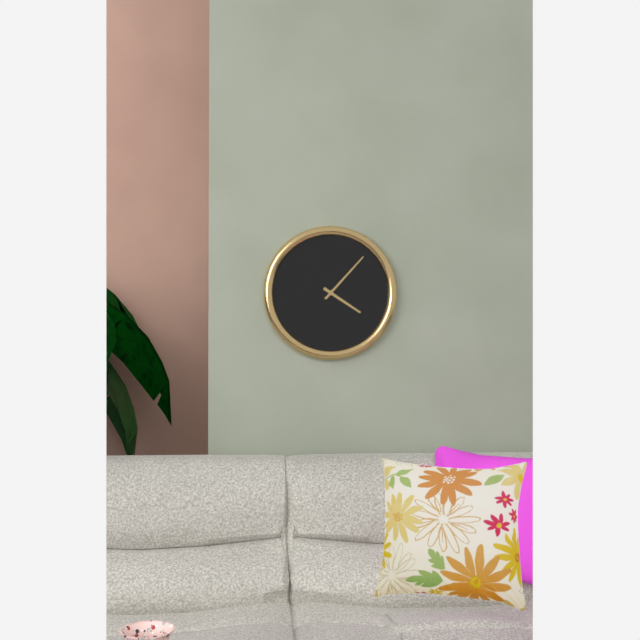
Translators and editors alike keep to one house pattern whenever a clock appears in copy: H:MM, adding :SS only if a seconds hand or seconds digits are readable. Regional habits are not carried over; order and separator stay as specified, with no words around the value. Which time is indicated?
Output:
4:07
